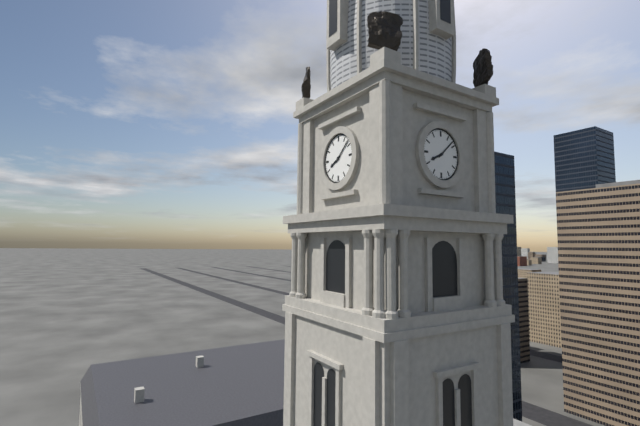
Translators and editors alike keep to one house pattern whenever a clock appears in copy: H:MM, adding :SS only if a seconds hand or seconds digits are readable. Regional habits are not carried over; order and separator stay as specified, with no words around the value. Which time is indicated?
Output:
8:08
